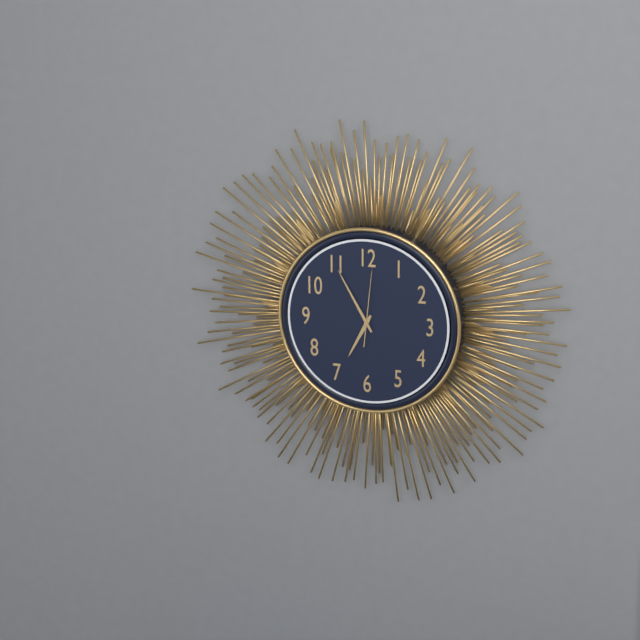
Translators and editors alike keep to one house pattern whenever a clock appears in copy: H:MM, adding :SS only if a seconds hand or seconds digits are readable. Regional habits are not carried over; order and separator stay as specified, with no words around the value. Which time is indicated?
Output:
6:55:01
